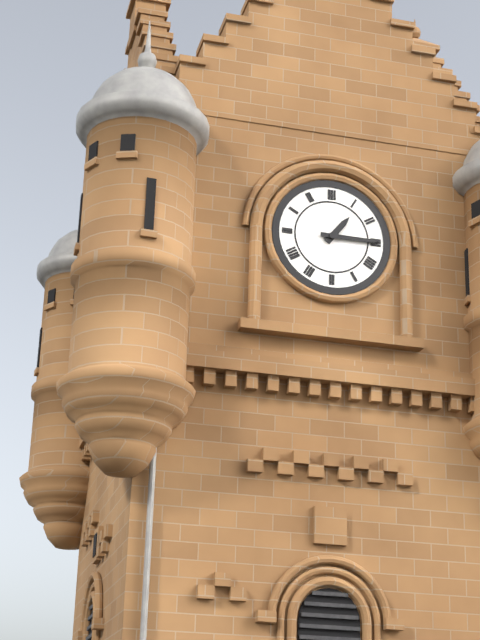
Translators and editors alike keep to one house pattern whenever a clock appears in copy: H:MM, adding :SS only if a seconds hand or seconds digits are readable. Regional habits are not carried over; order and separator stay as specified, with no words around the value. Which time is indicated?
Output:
1:15
